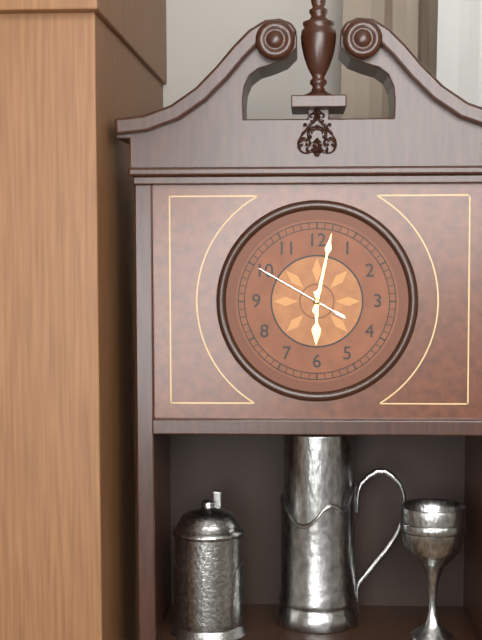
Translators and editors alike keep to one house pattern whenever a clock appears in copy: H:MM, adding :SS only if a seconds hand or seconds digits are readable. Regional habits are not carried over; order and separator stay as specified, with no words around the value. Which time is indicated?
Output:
6:02:50
